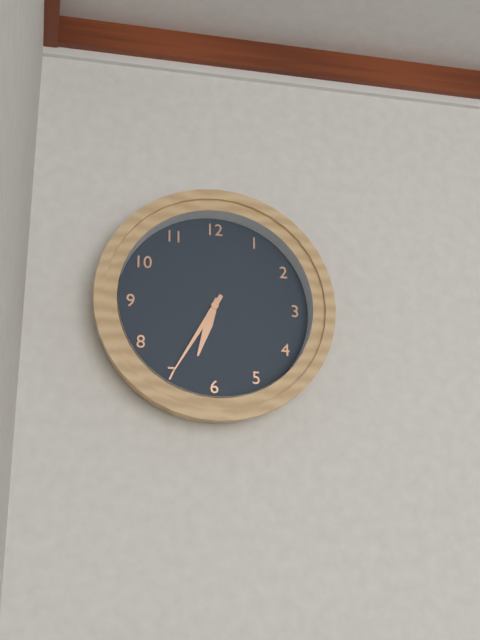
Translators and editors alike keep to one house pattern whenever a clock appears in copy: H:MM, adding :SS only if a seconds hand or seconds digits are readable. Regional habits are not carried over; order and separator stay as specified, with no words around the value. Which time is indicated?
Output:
6:35
